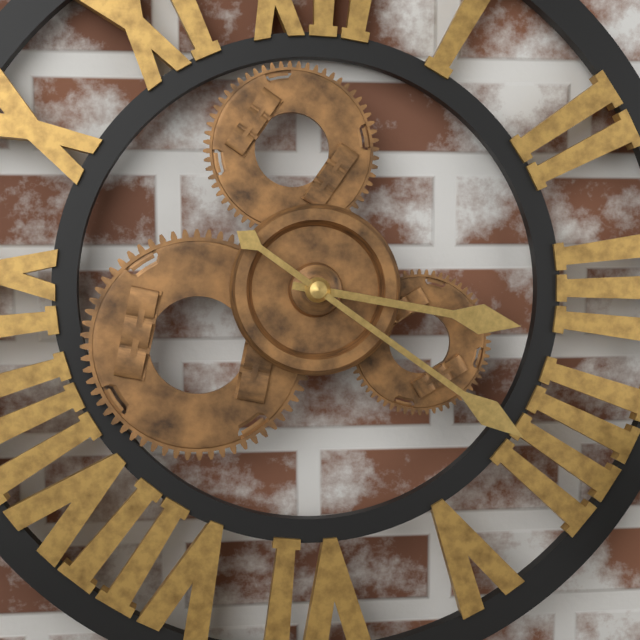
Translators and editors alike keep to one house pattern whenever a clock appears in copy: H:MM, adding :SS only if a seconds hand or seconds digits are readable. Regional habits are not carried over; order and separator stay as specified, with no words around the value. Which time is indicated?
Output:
3:21
